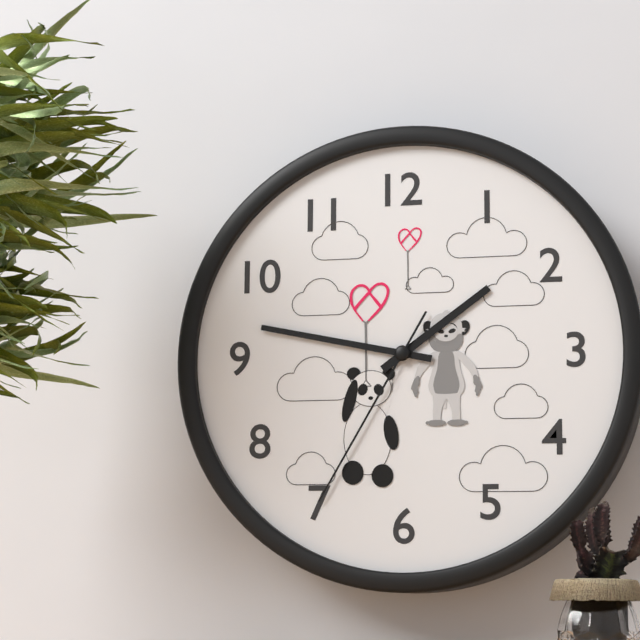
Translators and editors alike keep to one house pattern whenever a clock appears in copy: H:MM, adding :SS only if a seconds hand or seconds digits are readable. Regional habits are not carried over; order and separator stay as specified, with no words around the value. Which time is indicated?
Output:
1:47:35
